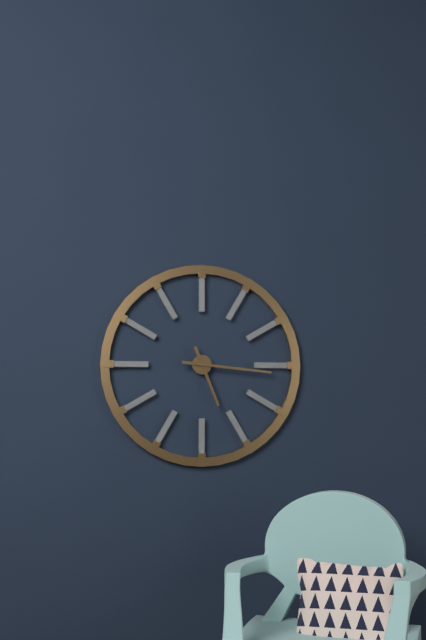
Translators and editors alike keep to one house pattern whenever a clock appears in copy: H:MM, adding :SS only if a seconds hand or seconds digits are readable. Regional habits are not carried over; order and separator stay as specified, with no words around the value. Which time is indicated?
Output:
5:16
